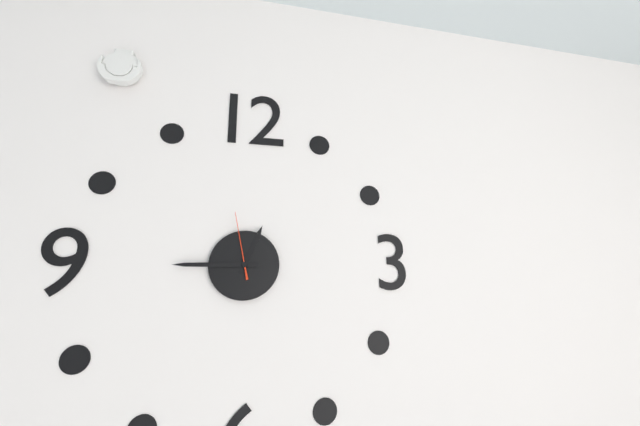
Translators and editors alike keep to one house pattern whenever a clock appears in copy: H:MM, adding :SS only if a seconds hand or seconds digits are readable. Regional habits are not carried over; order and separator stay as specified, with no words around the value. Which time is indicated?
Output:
12:45:58
